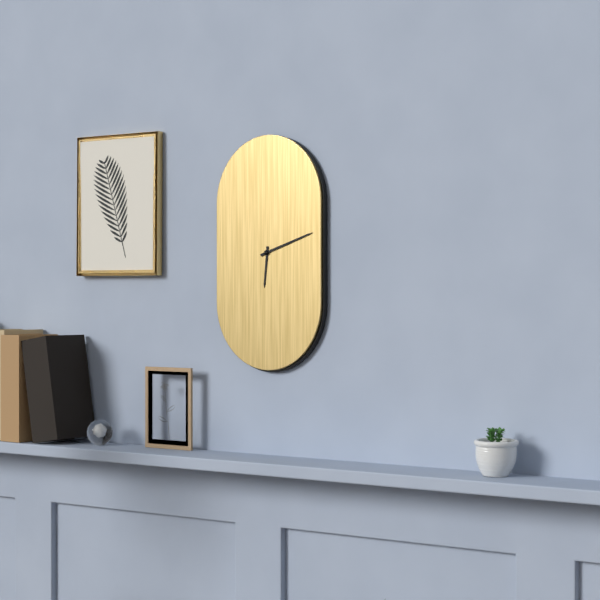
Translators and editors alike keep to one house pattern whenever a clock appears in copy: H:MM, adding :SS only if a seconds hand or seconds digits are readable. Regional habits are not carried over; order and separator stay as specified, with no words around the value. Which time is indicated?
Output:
6:12
